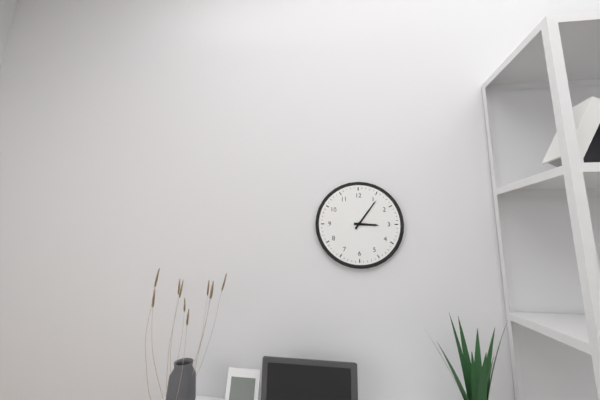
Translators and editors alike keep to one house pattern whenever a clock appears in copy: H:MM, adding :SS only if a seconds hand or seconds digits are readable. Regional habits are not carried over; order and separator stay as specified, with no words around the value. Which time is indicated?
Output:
3:06
